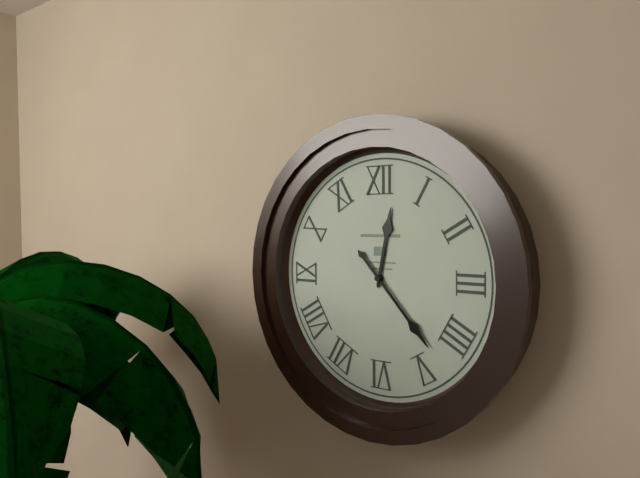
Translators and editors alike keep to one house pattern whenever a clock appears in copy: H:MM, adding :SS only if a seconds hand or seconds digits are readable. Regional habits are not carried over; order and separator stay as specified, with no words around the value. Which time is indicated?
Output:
12:23
